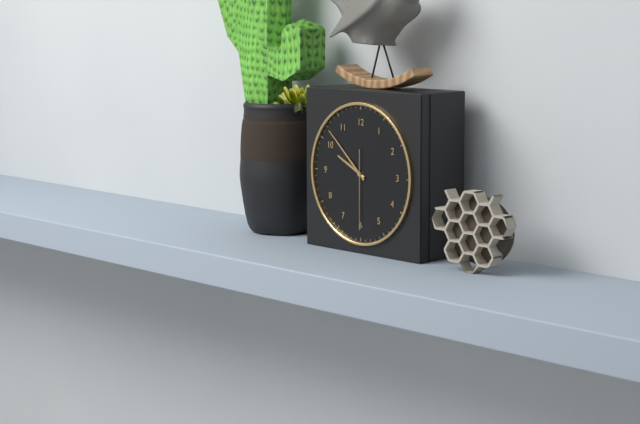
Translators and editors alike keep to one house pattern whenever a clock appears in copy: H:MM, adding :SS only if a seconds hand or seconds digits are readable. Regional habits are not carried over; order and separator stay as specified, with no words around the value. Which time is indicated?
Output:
9:52:30
